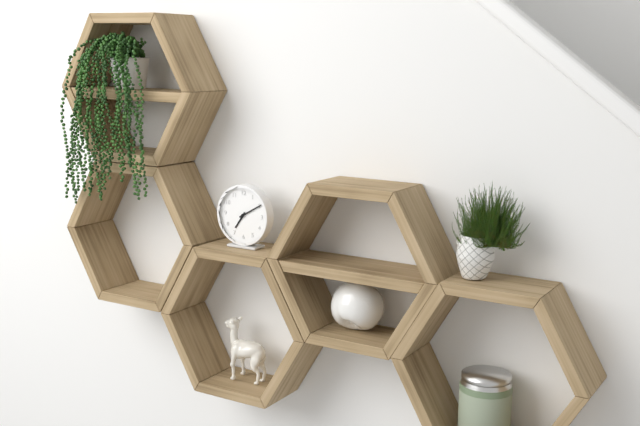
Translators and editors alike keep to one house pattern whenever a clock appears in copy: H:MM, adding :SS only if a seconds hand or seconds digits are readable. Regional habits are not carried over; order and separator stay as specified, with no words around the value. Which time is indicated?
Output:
7:10
